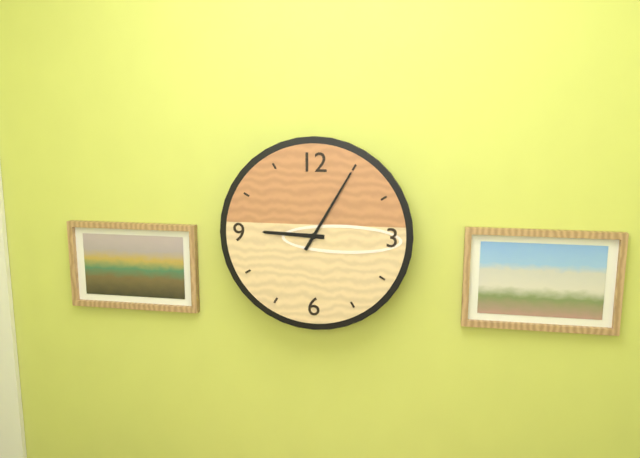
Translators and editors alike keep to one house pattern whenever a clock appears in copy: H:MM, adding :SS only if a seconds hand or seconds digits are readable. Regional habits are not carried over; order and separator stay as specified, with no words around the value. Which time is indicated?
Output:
9:05
